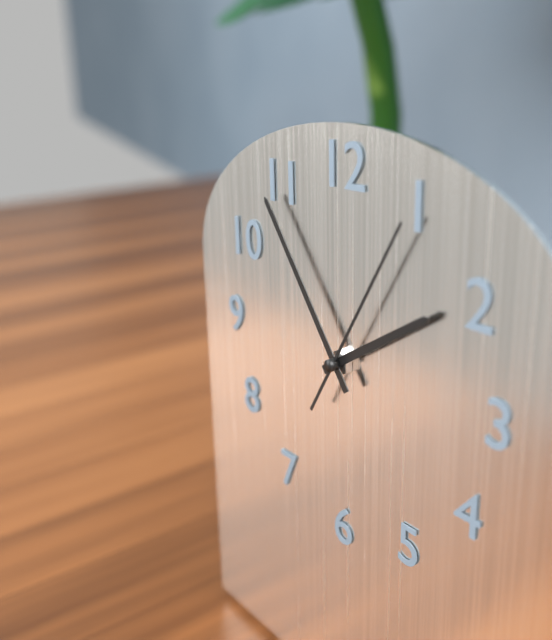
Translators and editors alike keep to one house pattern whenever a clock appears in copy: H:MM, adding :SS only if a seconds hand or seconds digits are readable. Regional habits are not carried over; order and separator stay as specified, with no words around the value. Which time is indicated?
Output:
1:54:05
